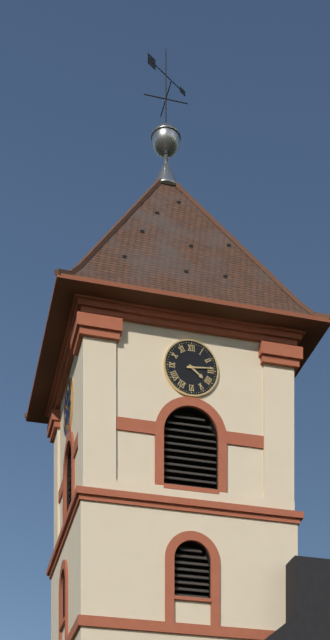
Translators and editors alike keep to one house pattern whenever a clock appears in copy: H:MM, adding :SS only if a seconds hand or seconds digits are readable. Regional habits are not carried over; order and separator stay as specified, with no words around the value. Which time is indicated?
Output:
4:14
